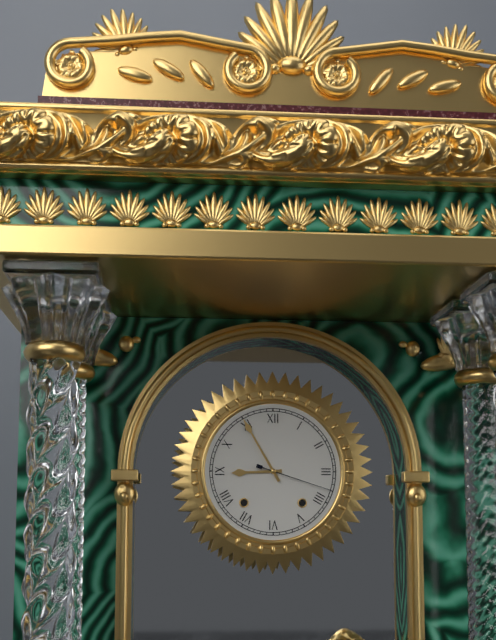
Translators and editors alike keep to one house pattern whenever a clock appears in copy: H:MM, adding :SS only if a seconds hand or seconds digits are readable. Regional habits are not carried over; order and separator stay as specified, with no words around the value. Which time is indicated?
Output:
8:55:18
